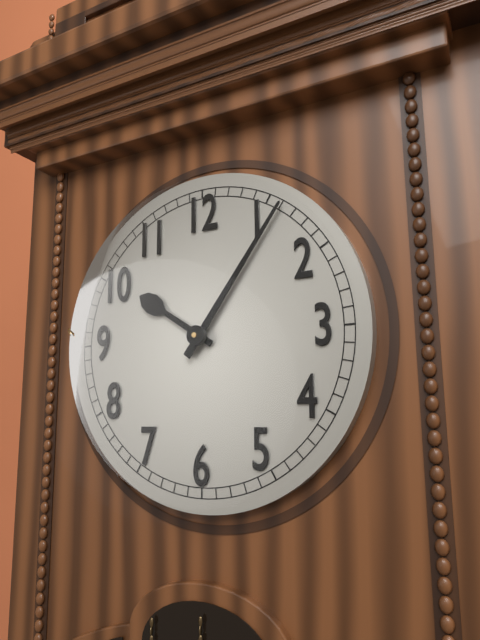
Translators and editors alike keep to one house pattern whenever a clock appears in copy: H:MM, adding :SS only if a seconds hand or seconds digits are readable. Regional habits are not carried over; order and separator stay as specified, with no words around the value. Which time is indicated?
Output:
10:06
